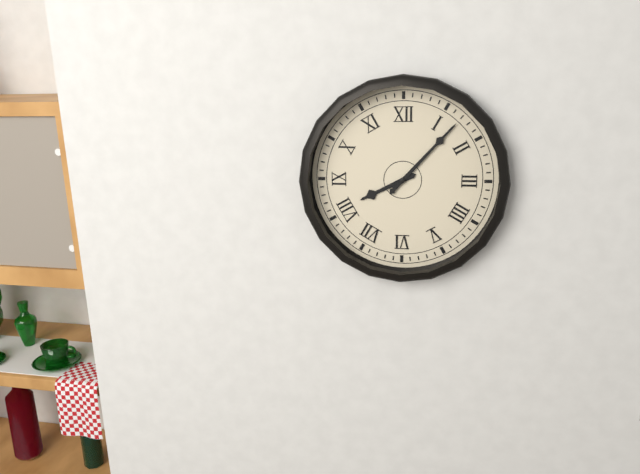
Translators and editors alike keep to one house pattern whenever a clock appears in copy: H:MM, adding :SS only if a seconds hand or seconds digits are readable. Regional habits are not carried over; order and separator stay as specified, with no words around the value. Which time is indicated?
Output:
8:07
